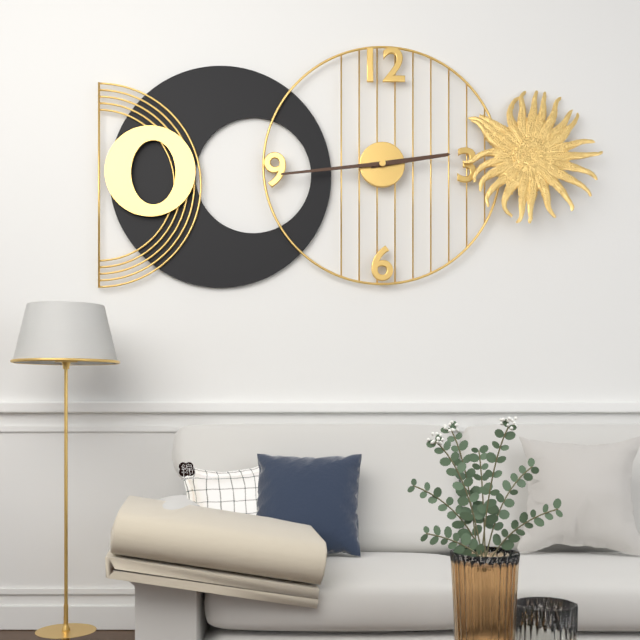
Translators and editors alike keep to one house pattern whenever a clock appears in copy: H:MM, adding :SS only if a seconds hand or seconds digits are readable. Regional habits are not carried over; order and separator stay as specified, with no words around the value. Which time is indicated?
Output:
2:44
